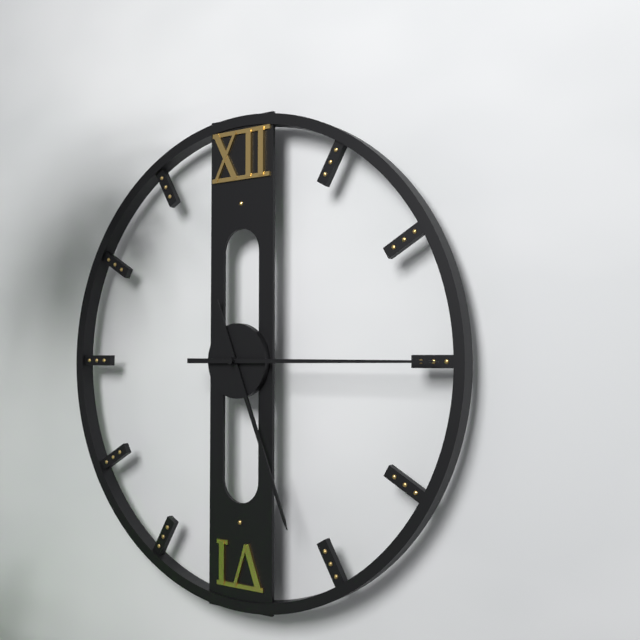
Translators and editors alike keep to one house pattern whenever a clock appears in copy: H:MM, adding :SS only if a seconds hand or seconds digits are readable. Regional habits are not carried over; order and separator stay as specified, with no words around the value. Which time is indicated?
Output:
5:15
